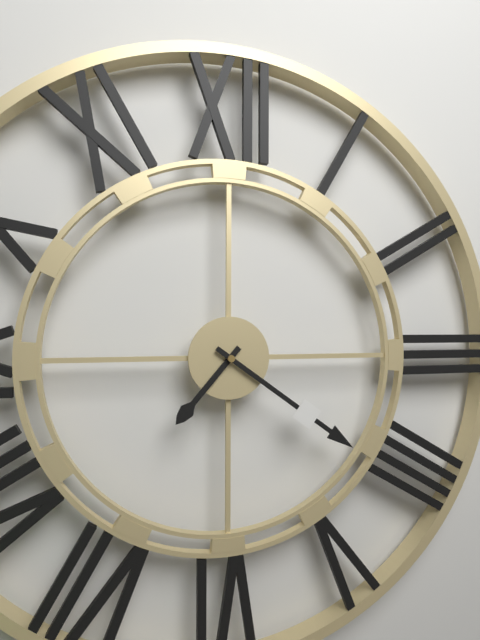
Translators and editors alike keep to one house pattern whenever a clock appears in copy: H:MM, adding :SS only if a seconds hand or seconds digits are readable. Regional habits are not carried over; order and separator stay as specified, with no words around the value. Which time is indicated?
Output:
7:21
